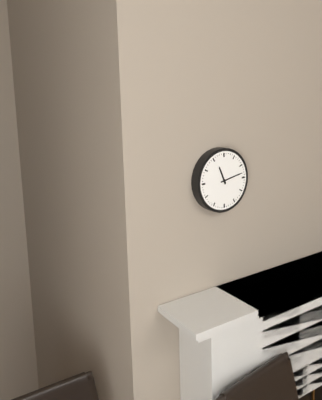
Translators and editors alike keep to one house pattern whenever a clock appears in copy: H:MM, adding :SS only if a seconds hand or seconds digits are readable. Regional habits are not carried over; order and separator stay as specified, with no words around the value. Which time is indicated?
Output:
11:13
